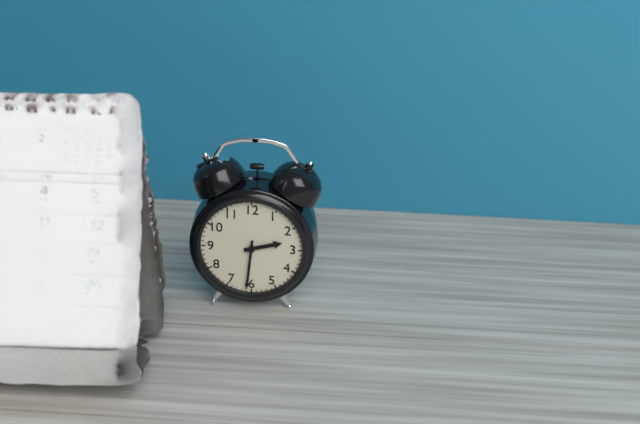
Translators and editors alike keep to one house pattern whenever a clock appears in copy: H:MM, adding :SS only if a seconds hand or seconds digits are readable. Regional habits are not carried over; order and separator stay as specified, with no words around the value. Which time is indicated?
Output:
2:31
